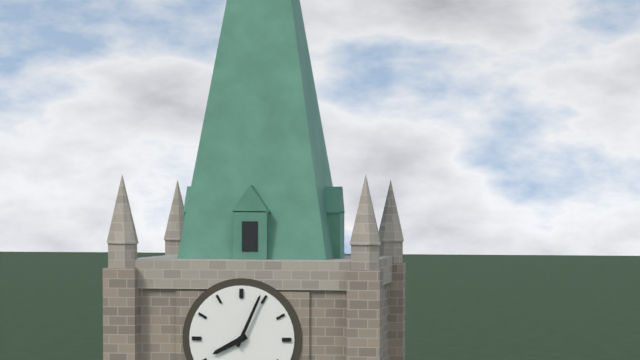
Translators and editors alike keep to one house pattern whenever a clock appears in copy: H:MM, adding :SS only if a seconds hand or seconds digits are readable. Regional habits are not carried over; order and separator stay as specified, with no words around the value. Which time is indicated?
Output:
8:04
